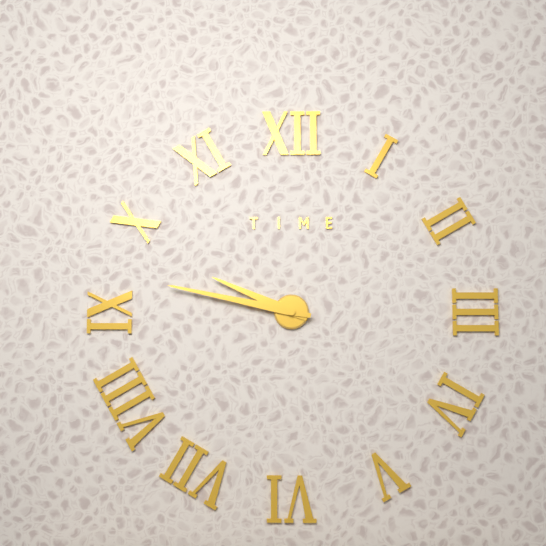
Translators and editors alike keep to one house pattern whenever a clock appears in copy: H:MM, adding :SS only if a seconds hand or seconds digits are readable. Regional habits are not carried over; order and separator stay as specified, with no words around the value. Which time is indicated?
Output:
9:47
